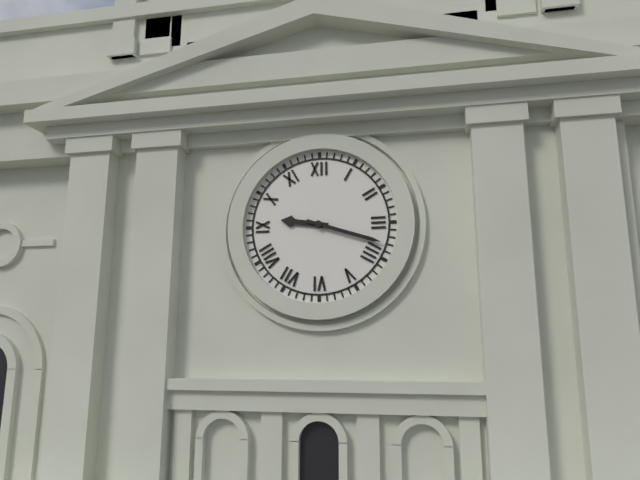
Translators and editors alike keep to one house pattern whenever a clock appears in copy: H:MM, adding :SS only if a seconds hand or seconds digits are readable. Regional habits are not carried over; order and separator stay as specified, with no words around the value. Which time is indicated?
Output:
9:18
